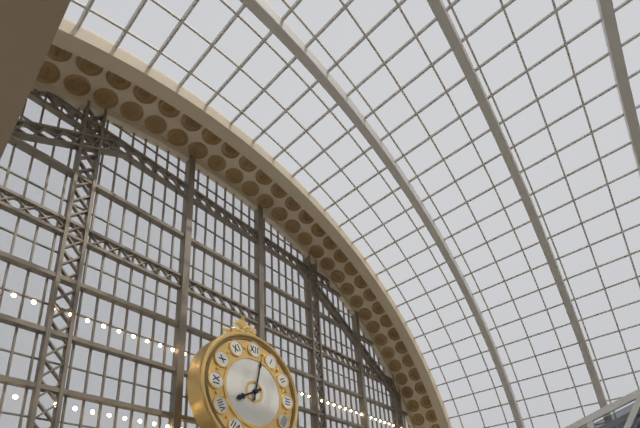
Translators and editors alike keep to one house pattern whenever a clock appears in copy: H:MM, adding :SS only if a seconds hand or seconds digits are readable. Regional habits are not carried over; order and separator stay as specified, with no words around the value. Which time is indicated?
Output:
8:02
